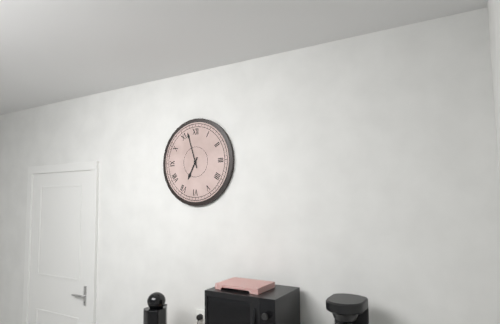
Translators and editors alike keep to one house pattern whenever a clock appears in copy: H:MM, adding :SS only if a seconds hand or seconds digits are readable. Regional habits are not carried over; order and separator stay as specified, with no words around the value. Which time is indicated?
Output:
6:57
